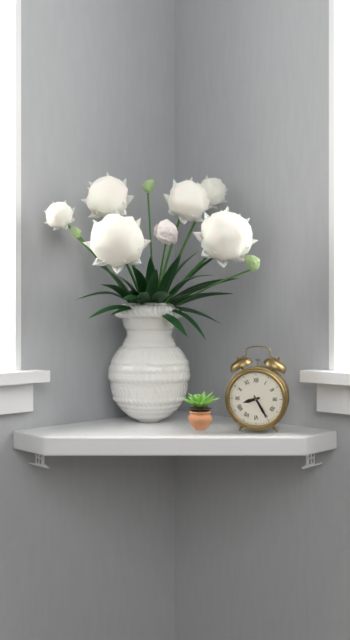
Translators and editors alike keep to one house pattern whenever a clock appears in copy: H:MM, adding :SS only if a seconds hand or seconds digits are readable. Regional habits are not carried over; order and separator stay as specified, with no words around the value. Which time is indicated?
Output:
8:25
